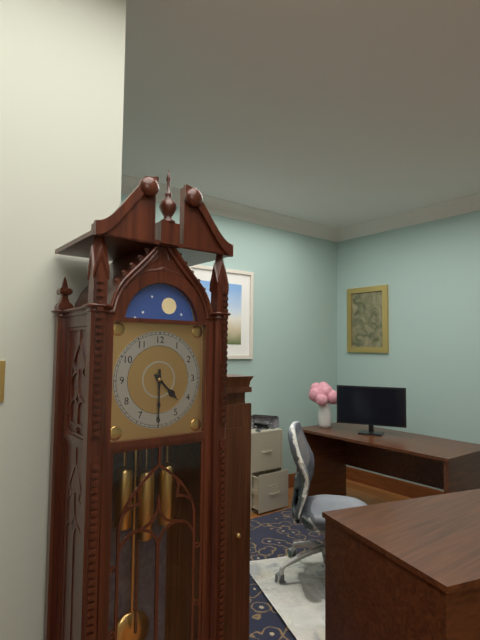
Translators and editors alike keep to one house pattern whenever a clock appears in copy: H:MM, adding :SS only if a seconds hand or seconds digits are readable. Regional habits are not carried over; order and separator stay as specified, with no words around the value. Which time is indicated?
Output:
4:30
